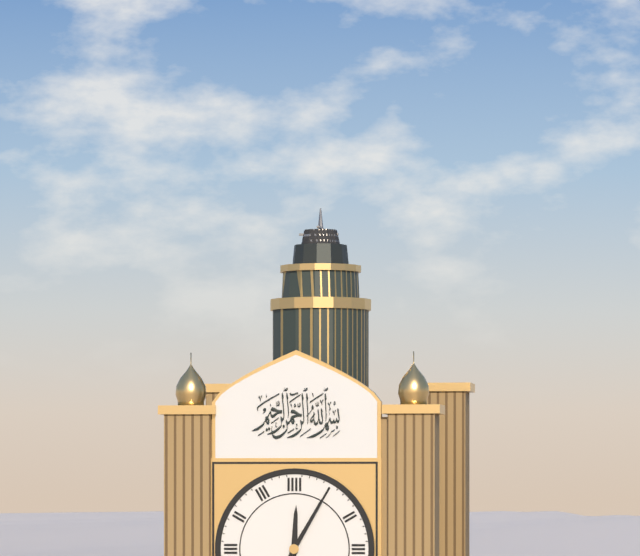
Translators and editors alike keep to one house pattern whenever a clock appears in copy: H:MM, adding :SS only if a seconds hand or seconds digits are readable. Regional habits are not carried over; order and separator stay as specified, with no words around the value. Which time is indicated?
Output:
12:05
